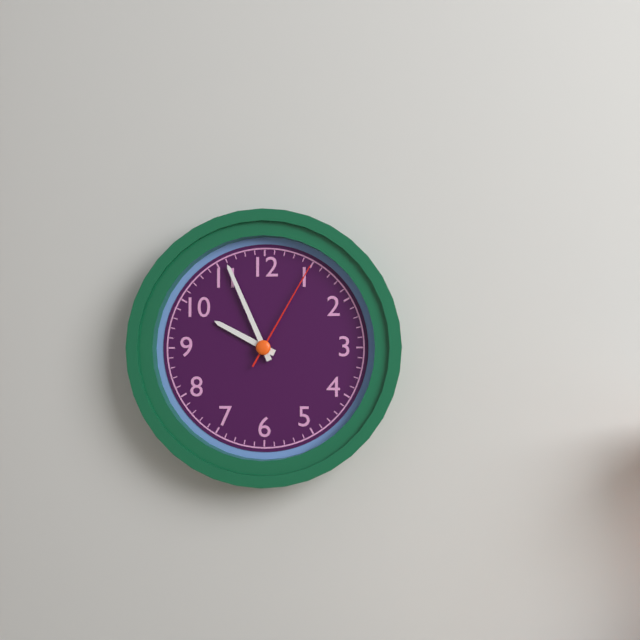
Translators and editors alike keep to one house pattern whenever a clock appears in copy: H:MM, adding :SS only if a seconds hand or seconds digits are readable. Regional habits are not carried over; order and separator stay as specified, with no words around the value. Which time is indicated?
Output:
9:56:05
